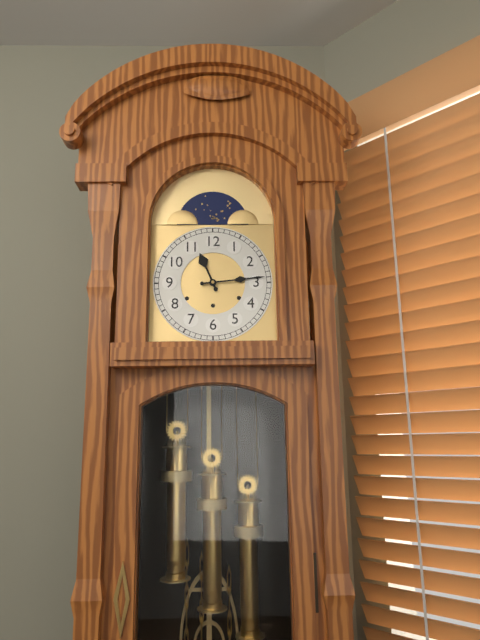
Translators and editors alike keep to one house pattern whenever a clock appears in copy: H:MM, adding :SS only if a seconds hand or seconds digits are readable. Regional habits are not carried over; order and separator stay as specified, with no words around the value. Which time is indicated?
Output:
11:14
